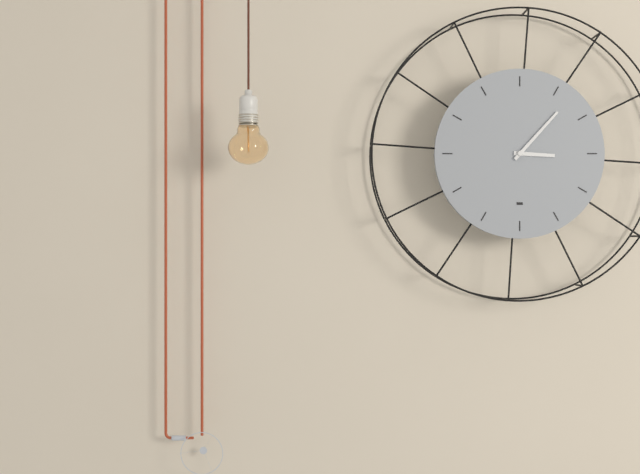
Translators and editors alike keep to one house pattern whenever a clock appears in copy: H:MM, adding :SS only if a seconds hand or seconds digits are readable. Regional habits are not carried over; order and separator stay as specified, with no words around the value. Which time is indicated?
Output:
3:07
